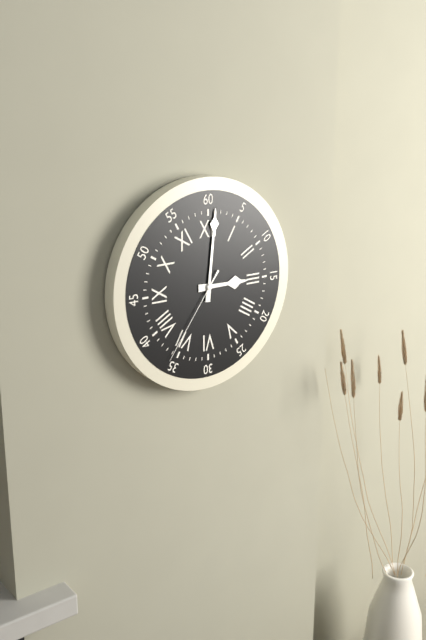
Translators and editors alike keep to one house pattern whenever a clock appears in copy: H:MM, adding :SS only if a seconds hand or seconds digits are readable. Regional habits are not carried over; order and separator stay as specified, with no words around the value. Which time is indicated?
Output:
3:01:36
